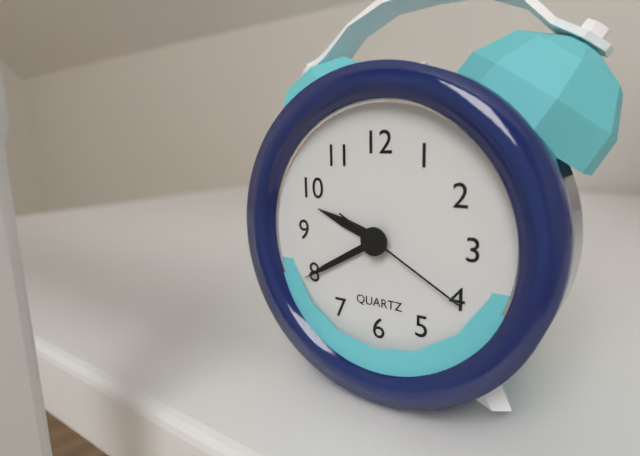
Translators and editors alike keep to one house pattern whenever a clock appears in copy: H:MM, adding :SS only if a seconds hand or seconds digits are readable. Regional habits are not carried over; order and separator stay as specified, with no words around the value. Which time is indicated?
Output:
9:40:20
